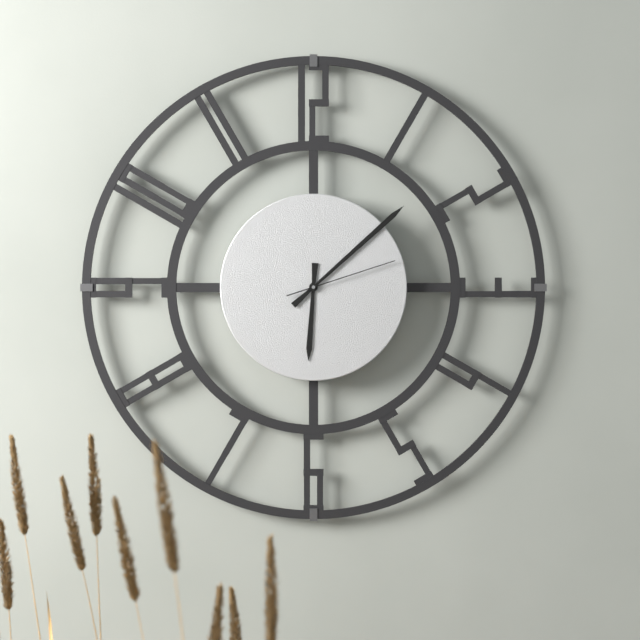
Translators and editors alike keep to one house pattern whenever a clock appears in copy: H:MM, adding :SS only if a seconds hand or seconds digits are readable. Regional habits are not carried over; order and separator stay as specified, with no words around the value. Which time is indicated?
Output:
6:08:12
